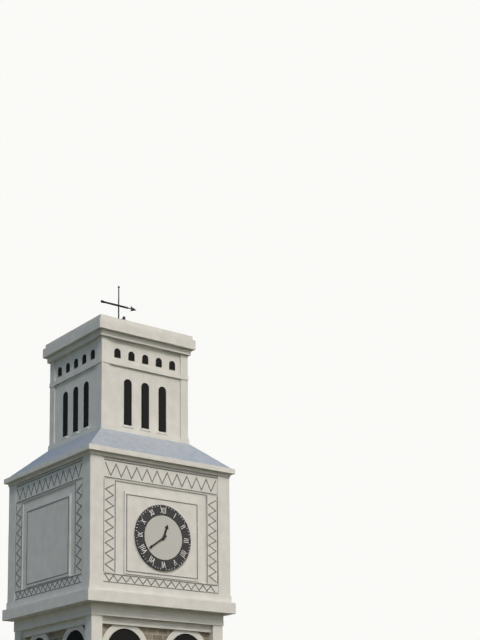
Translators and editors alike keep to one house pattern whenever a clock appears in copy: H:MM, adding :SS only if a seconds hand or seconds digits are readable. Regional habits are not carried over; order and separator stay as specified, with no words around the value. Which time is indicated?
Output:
12:39
